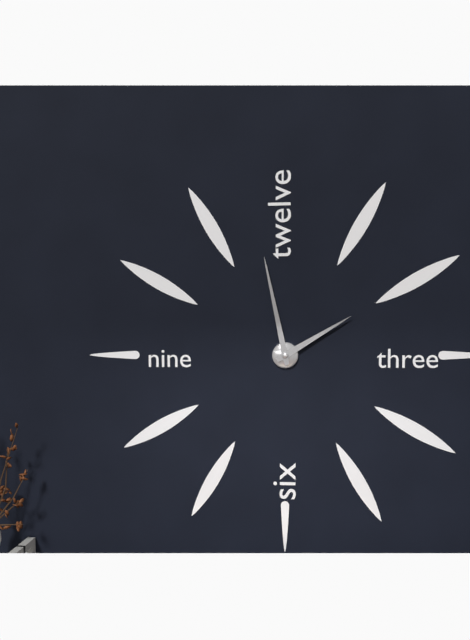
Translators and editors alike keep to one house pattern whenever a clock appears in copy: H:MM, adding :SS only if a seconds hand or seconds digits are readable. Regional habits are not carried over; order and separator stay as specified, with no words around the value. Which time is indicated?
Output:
1:58
